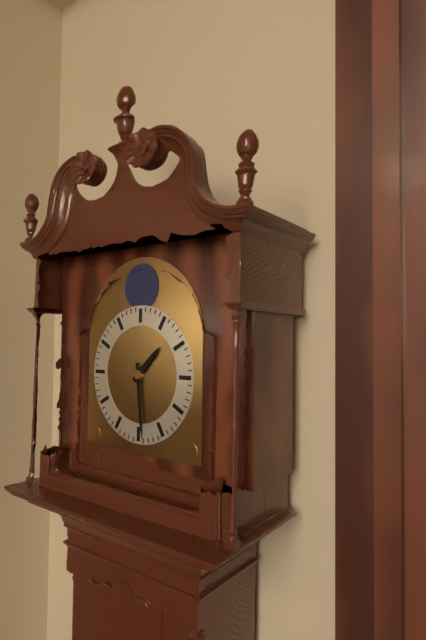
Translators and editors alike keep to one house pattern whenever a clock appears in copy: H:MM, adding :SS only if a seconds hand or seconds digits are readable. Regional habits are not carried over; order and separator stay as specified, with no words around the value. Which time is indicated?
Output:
1:29
